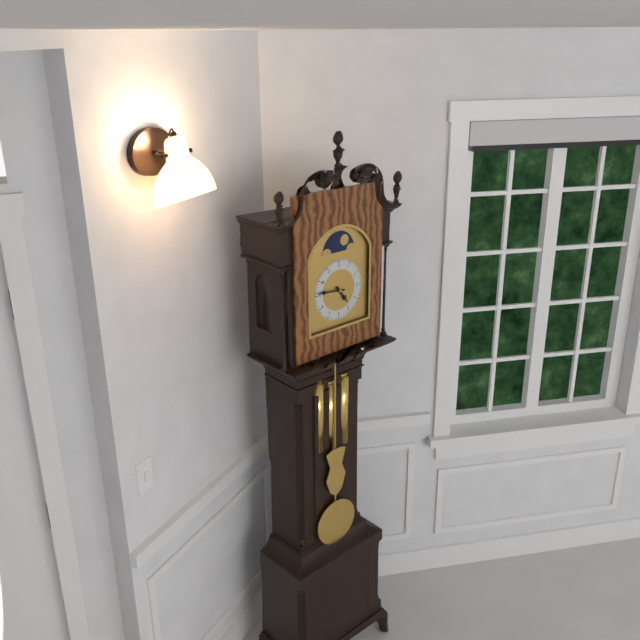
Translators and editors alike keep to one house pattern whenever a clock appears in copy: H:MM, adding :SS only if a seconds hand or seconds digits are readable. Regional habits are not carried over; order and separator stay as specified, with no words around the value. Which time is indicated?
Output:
4:46
